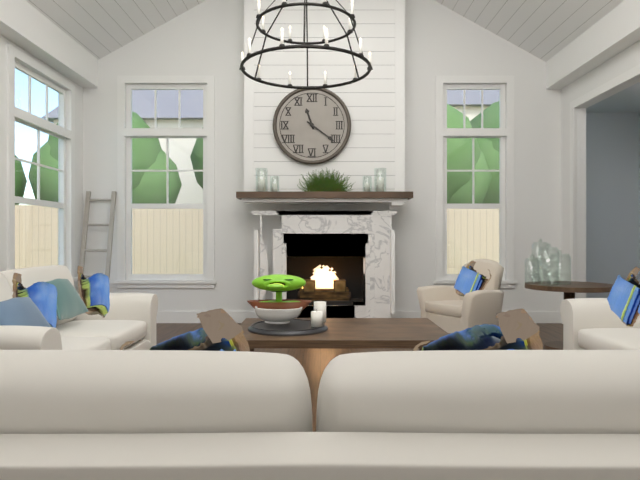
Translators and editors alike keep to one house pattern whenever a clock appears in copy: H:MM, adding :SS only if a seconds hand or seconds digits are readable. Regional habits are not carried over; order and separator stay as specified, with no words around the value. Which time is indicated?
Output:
11:21
